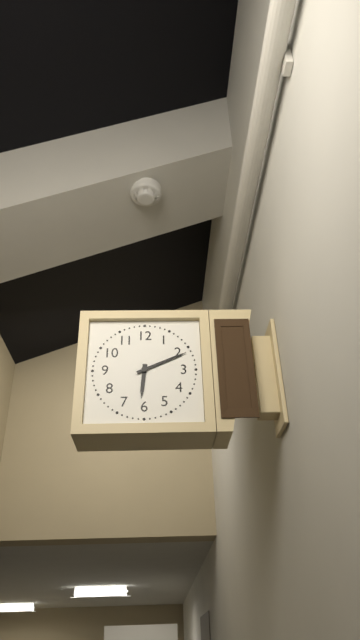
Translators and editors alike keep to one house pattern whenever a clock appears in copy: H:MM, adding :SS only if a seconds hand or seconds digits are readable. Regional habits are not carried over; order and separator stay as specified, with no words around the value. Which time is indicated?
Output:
6:11
